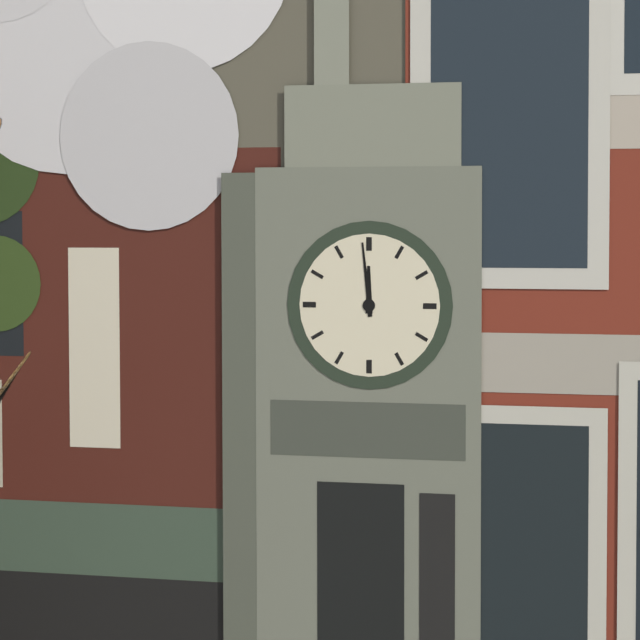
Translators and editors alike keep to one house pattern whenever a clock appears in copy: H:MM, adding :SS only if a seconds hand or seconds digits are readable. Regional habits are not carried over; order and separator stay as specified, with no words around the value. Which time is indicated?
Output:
11:59
